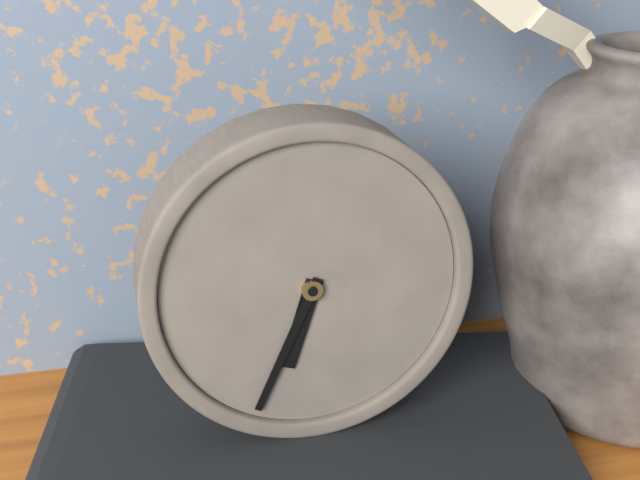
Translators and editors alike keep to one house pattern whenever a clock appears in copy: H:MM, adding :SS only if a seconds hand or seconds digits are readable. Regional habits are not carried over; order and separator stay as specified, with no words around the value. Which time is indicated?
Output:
6:34
